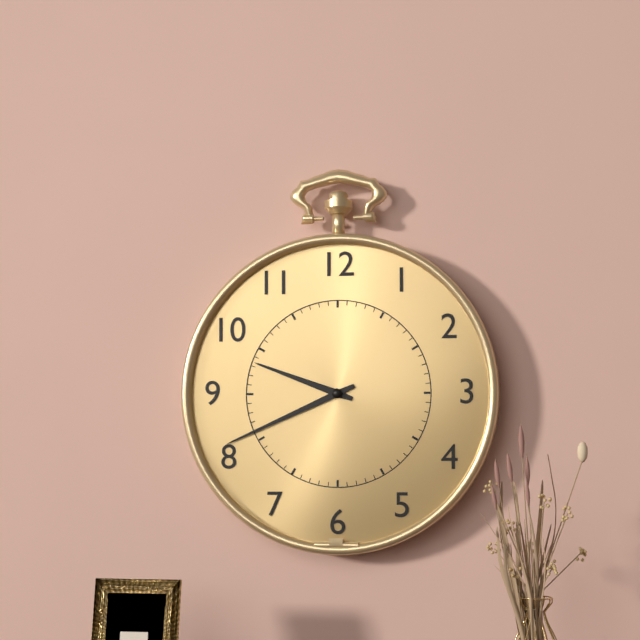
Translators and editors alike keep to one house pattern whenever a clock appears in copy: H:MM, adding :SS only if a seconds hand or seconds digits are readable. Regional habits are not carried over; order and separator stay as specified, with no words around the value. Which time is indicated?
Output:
9:41
